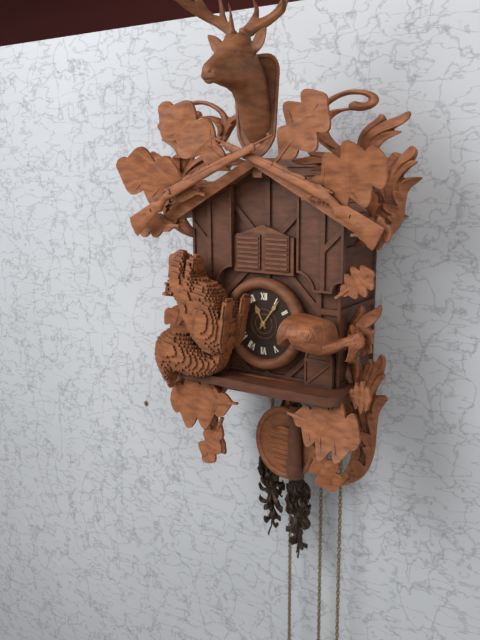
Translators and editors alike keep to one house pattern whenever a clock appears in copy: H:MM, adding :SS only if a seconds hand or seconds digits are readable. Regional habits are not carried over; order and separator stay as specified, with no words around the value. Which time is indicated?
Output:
11:06
